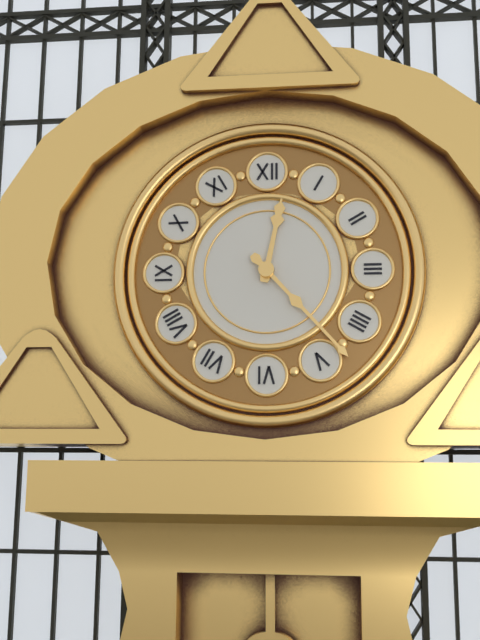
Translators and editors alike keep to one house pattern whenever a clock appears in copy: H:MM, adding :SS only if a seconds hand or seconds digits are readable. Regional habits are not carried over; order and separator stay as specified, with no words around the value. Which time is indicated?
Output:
12:23
